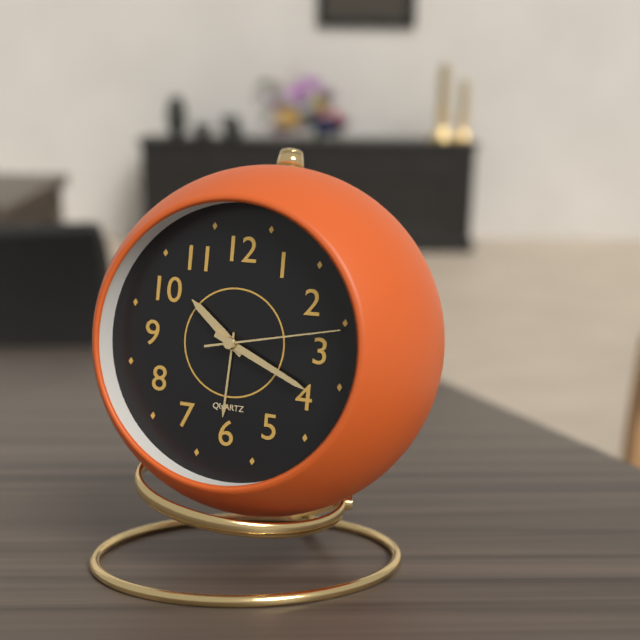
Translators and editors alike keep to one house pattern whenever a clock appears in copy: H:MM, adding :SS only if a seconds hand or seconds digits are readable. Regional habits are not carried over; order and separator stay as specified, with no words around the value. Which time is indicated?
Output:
10:19:13
